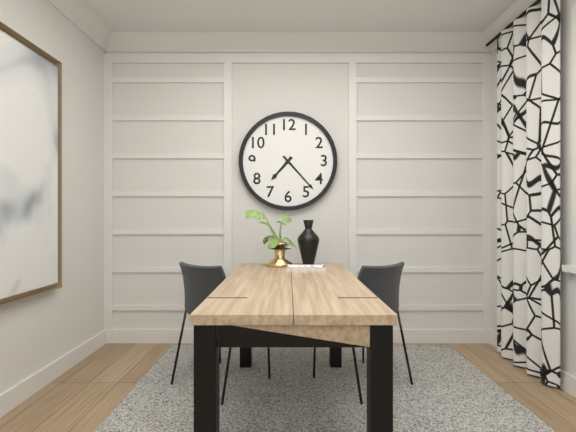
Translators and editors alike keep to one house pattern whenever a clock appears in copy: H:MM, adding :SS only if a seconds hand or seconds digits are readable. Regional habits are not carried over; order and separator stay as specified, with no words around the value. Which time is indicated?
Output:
7:23
